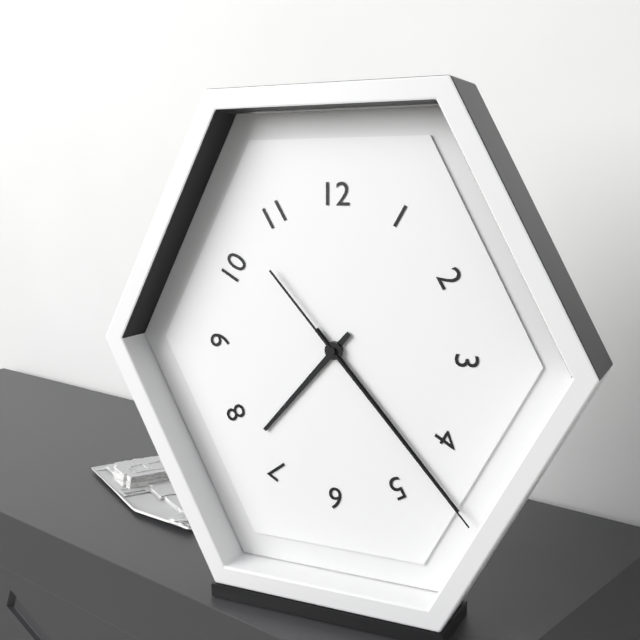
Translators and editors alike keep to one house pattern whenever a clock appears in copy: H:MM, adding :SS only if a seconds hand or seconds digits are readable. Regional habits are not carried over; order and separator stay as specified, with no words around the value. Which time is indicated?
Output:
7:23:23
